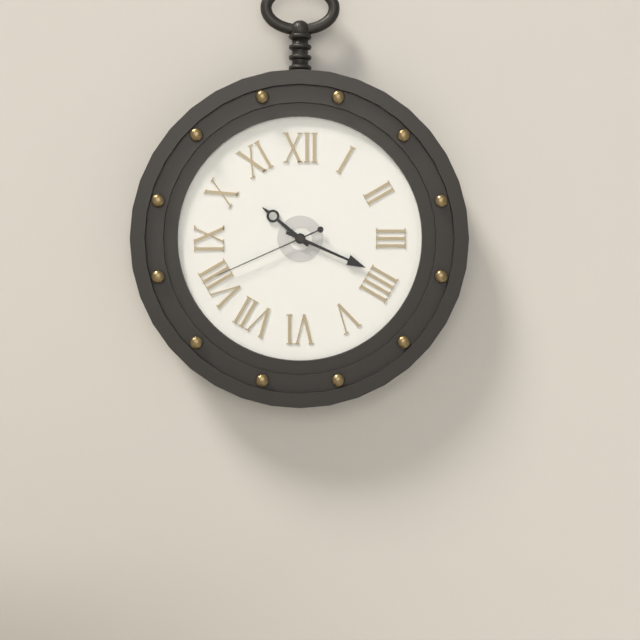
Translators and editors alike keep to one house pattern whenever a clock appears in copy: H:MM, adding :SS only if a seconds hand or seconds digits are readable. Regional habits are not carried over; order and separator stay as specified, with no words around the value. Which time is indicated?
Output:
10:19:41
